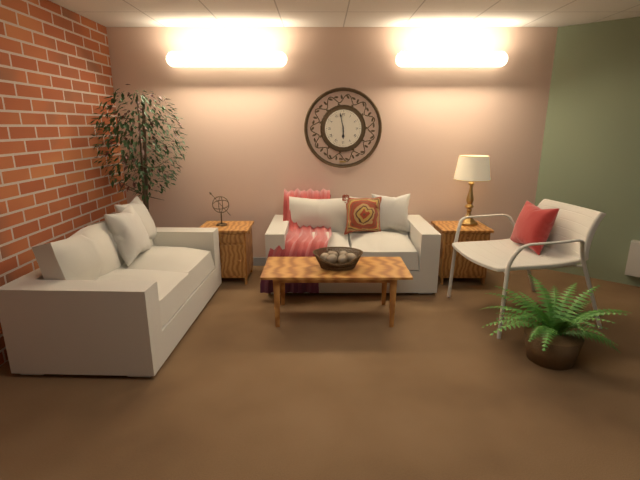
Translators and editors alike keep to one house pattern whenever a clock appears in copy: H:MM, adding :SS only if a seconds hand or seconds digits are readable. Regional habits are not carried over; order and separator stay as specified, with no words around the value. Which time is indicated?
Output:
5:58
